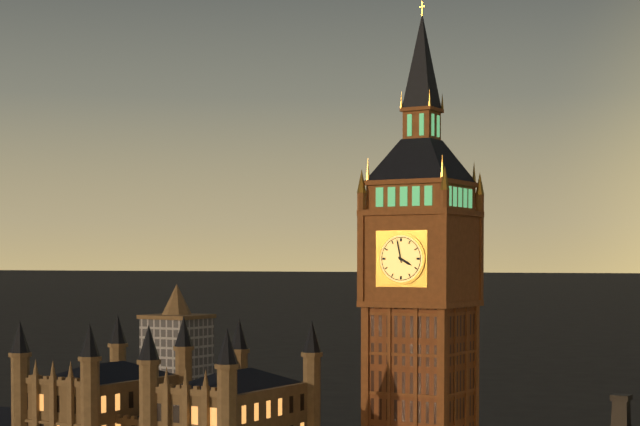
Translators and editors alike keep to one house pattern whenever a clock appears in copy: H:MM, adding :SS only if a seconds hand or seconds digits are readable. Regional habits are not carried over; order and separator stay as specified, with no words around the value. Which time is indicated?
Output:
3:58
